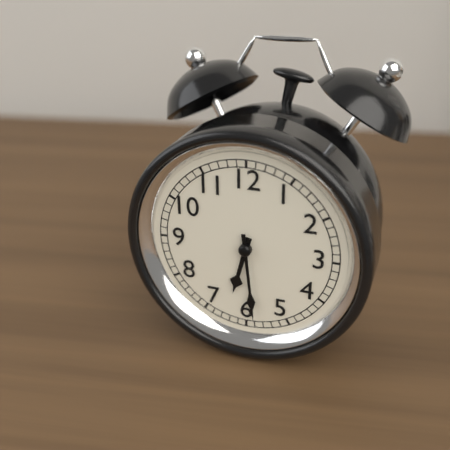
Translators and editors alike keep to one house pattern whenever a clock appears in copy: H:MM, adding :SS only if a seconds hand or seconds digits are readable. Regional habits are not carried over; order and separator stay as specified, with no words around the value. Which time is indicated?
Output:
6:29
